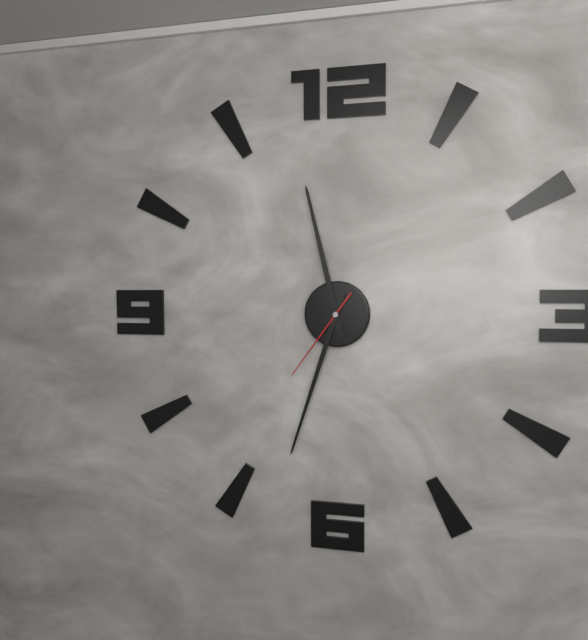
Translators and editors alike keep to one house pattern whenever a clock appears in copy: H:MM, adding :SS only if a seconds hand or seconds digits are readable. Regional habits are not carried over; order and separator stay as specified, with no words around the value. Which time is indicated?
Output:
11:33:36
